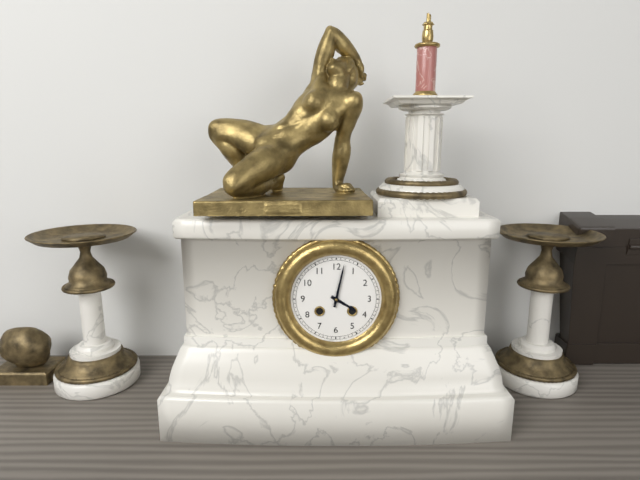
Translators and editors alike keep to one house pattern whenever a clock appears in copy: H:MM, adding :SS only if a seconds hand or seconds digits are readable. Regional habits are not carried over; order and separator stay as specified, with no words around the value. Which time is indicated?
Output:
4:02
